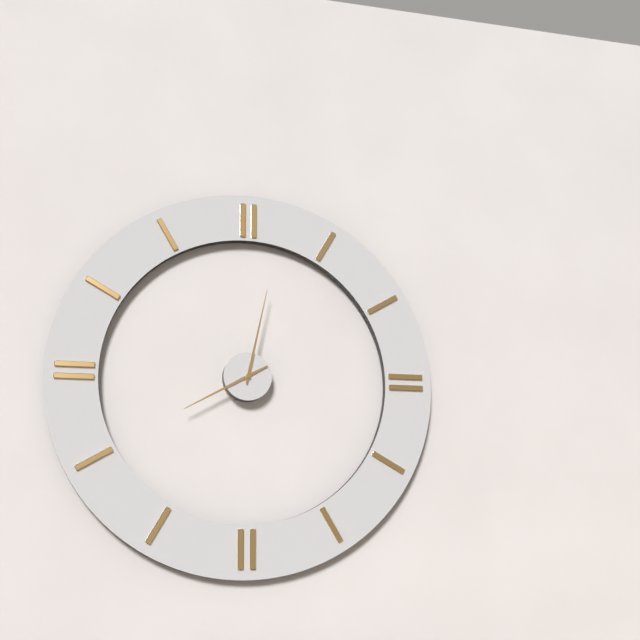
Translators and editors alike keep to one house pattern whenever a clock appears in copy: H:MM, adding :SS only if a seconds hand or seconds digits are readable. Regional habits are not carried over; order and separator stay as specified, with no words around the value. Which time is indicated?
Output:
8:02
